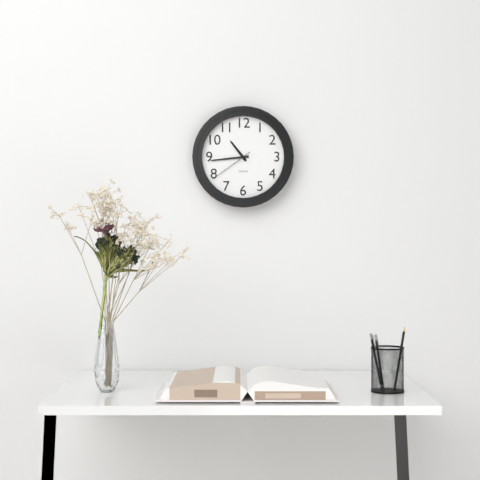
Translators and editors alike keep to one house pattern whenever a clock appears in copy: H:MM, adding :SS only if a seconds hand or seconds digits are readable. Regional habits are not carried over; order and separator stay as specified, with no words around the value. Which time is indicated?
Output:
10:44
